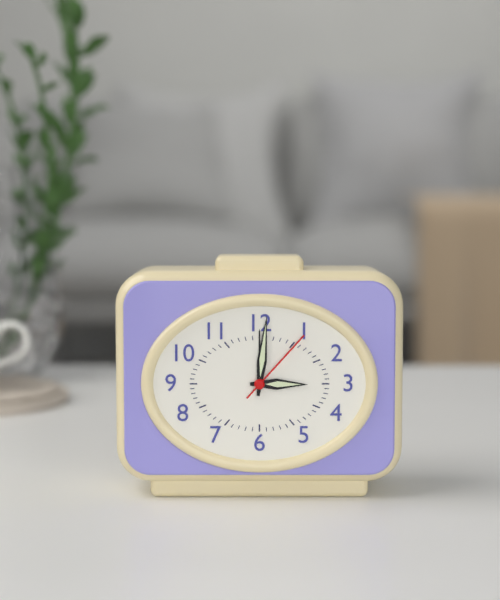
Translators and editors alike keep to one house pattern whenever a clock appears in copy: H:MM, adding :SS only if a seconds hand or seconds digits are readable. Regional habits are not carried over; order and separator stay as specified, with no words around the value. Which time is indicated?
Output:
3:01:07
